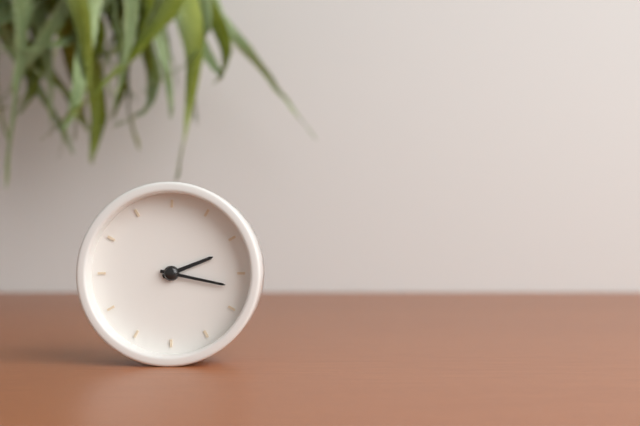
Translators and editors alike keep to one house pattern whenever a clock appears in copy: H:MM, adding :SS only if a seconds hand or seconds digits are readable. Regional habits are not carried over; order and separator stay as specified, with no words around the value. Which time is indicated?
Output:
2:17
